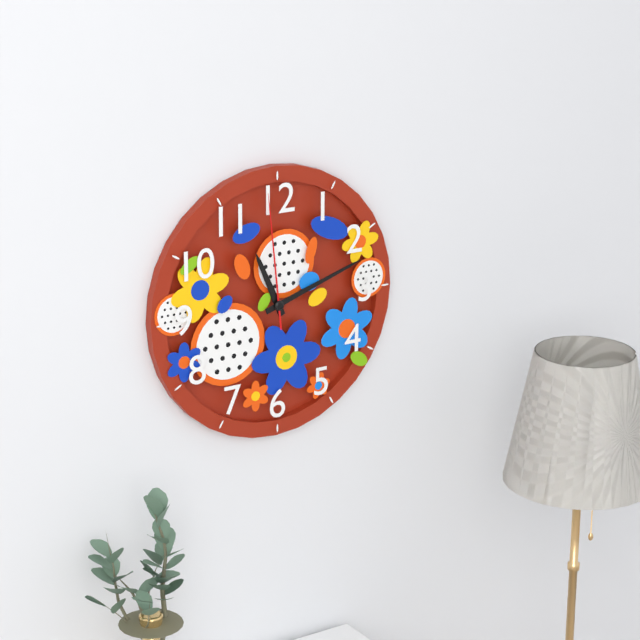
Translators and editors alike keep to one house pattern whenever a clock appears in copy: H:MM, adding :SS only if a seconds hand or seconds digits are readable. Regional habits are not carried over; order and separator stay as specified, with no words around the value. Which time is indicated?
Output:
11:12:59
